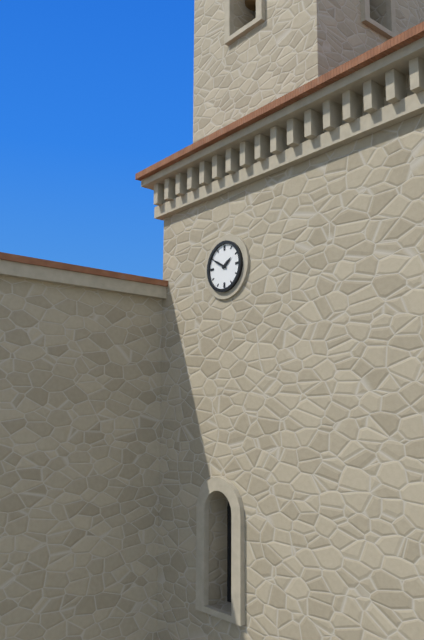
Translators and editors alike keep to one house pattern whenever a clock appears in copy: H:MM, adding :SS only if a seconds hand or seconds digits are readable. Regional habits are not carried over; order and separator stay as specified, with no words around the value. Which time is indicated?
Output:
1:50
